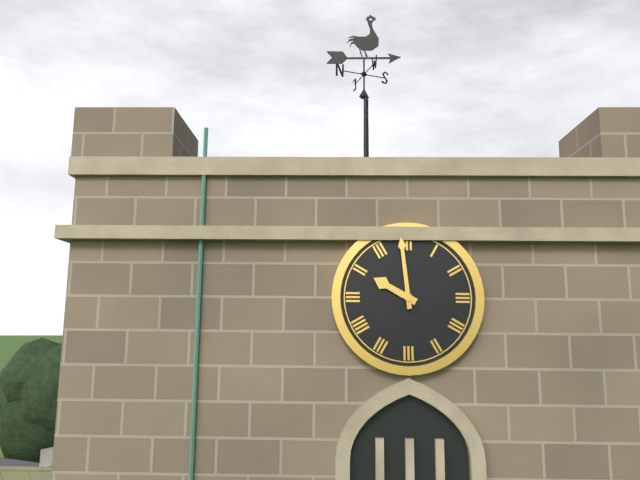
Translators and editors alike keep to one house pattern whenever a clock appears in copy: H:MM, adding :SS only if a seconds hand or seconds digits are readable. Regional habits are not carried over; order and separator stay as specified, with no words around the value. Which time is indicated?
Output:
9:59
